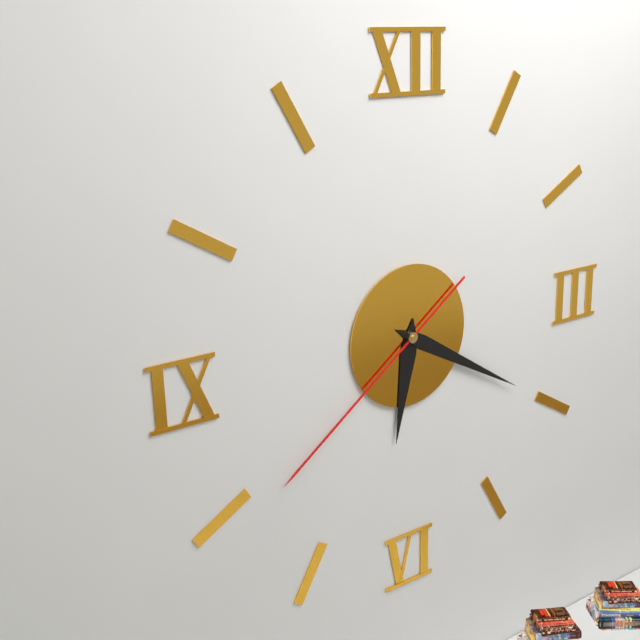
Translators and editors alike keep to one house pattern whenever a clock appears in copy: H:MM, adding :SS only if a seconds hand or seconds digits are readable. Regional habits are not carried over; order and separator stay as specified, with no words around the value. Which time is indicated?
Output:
6:20:39
